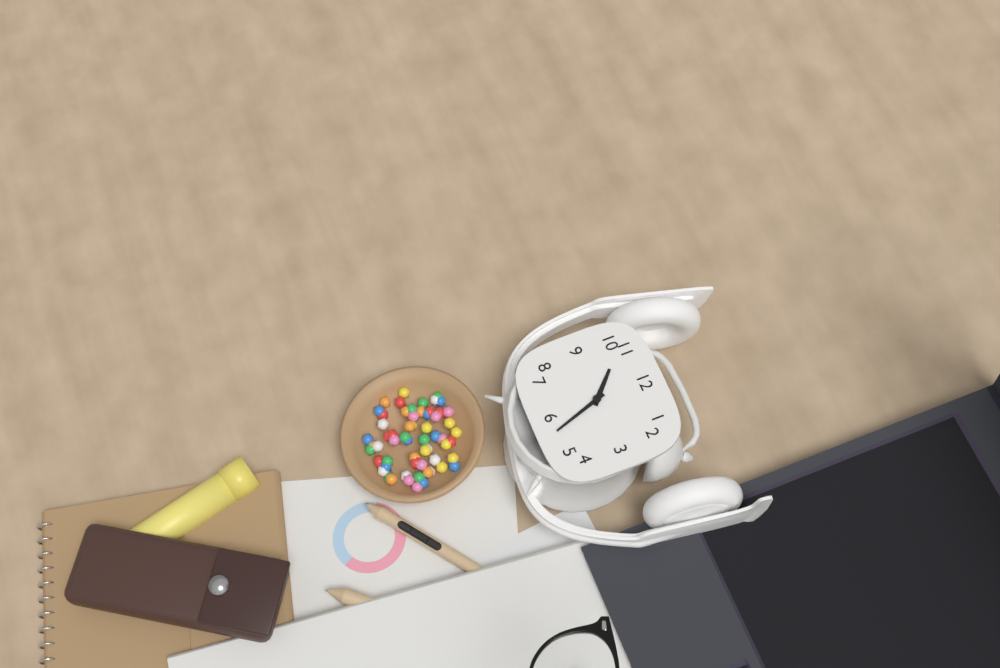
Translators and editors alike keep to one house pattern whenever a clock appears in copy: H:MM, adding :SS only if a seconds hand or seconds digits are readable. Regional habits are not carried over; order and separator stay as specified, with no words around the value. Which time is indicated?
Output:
10:27
